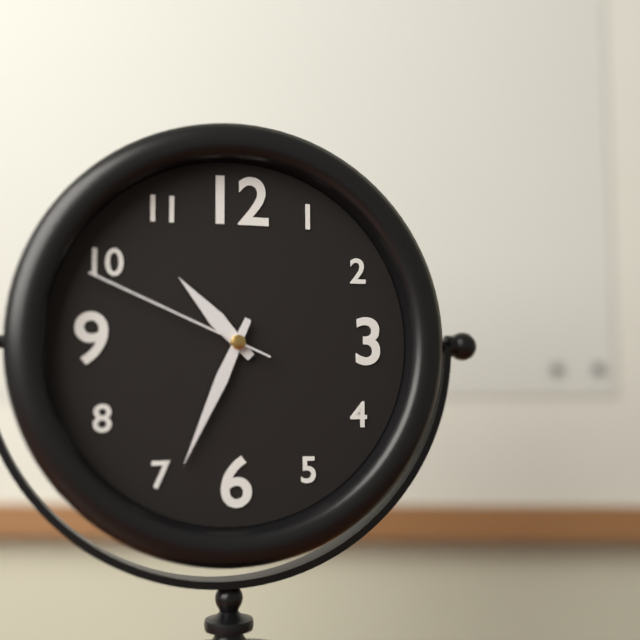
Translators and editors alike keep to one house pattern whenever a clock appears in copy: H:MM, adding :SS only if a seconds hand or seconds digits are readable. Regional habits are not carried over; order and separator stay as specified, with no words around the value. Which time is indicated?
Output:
10:34:49
